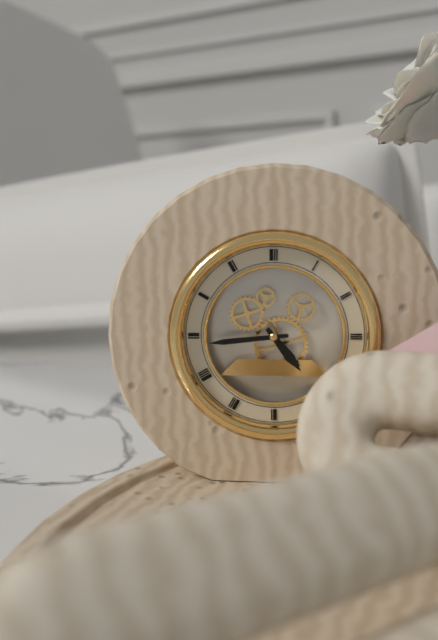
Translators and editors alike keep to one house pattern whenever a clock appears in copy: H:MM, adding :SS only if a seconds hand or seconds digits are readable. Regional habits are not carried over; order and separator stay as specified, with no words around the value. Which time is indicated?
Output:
4:44
